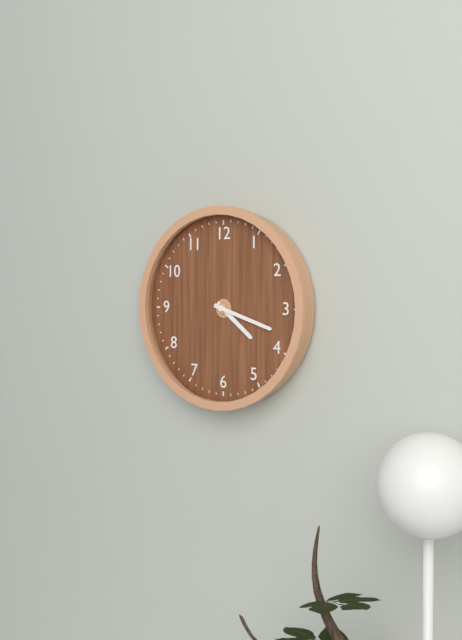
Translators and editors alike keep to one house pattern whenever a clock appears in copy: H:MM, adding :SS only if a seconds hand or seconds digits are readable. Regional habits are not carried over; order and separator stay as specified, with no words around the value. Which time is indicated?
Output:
4:18
